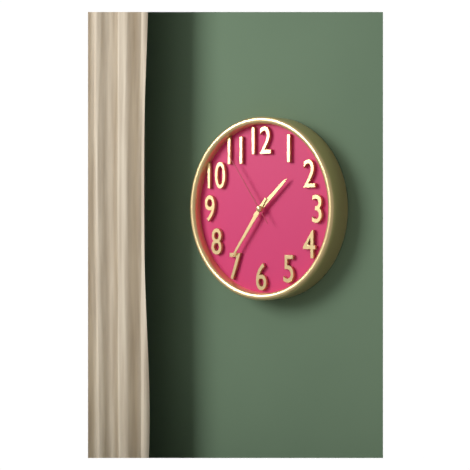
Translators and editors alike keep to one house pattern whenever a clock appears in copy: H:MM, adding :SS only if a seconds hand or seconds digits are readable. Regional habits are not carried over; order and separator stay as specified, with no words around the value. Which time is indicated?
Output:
1:36:54
